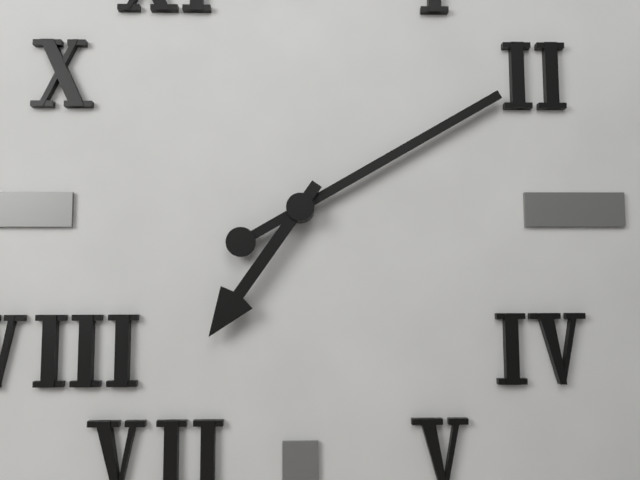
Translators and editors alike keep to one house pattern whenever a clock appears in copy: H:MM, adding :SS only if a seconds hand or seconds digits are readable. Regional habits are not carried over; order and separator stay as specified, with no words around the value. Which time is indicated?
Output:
7:10
